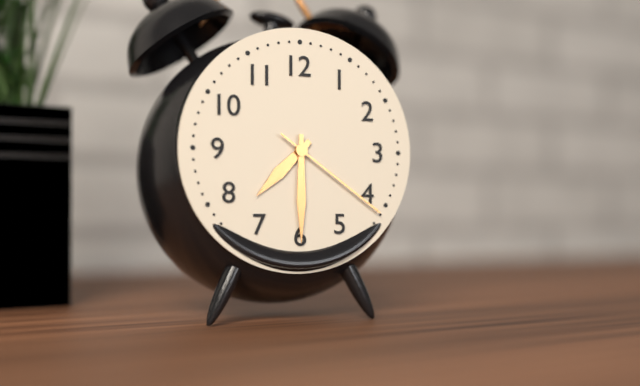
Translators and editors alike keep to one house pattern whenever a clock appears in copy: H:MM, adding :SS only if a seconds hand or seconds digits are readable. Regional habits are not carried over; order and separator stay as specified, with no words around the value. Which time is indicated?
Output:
7:30:21
